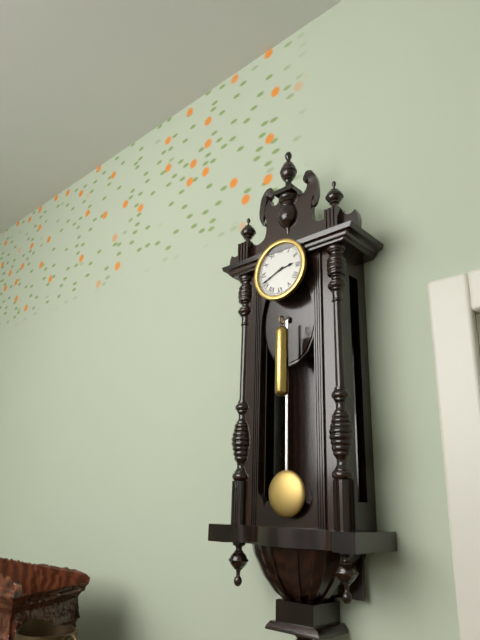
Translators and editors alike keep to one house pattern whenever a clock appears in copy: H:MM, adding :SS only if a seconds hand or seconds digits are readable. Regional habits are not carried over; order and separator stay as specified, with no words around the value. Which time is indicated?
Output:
2:41
